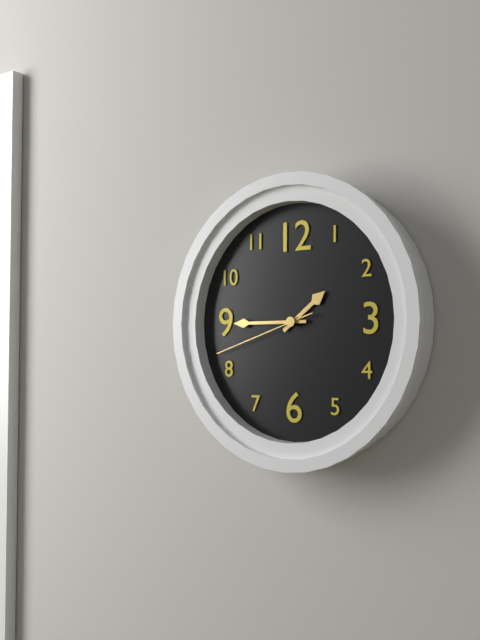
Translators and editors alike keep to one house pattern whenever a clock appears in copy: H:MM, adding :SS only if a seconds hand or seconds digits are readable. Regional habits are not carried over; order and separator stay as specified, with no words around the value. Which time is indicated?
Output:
1:45:42
